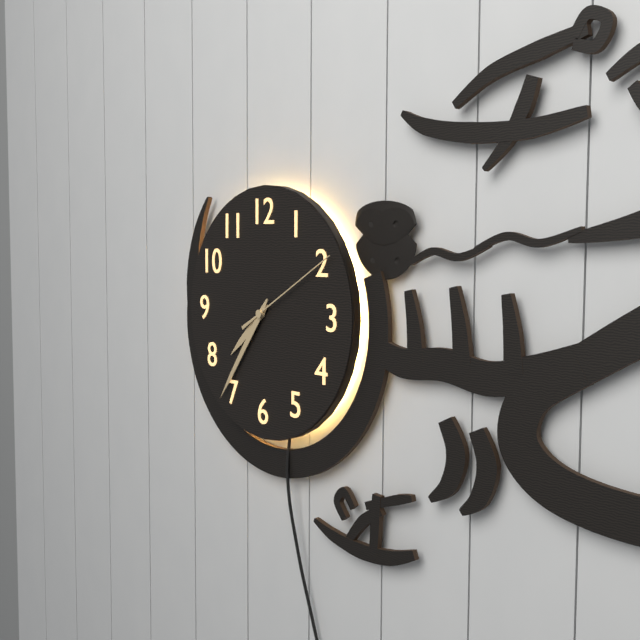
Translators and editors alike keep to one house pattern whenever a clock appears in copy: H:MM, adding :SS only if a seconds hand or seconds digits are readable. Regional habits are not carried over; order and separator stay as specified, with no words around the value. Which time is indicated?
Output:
7:36:10
